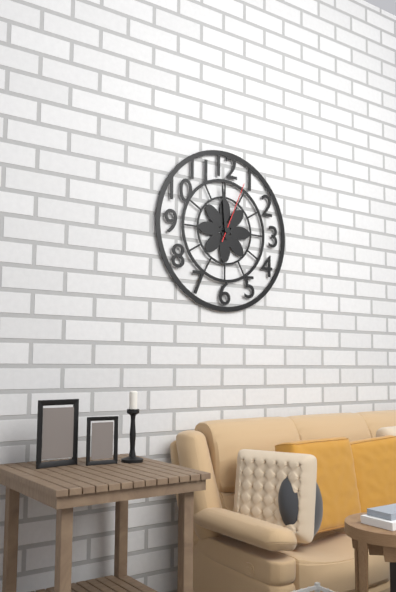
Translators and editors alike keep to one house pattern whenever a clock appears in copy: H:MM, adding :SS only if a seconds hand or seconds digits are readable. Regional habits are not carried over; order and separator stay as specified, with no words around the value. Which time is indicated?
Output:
12:59:04
